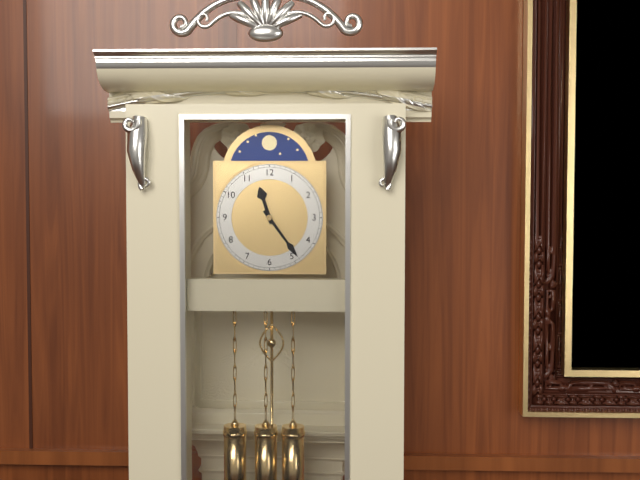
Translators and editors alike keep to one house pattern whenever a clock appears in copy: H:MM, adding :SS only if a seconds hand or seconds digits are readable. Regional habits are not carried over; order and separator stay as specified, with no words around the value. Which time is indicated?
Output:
11:24
